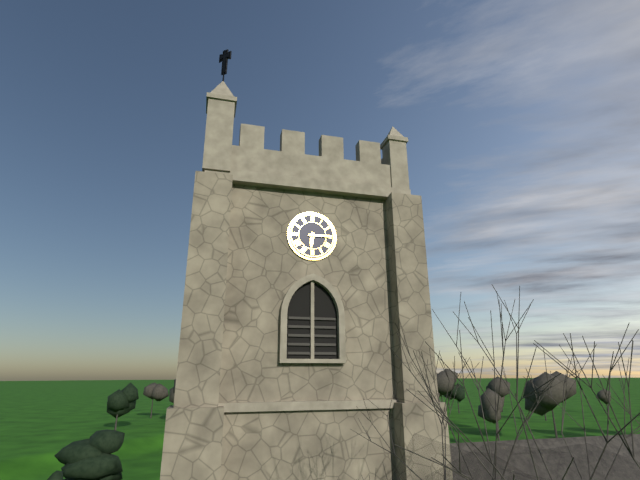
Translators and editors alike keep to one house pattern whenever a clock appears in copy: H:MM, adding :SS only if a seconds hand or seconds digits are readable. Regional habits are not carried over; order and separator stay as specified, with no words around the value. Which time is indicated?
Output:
6:15
